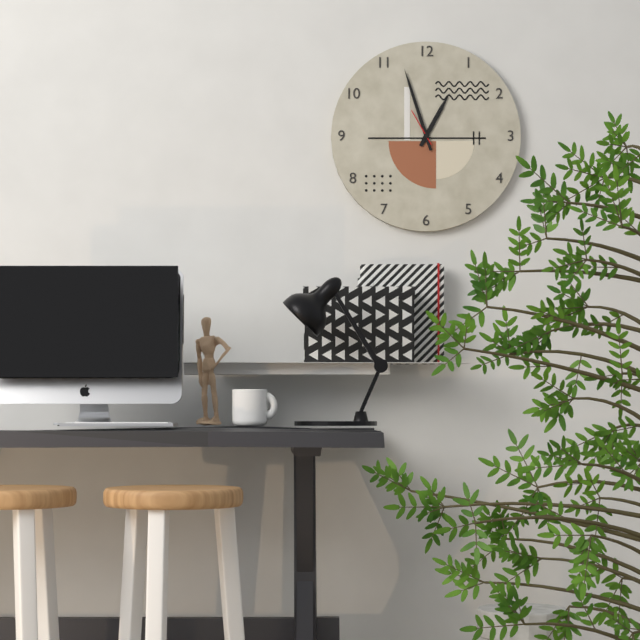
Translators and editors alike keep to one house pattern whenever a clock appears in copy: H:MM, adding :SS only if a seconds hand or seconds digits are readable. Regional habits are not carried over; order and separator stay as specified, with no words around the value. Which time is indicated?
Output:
12:57
